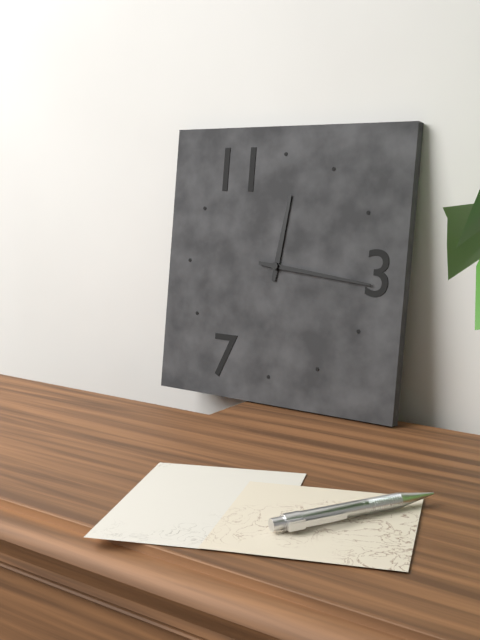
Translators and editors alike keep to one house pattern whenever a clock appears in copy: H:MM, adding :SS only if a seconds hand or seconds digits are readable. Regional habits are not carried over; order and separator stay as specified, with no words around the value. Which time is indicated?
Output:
12:16
